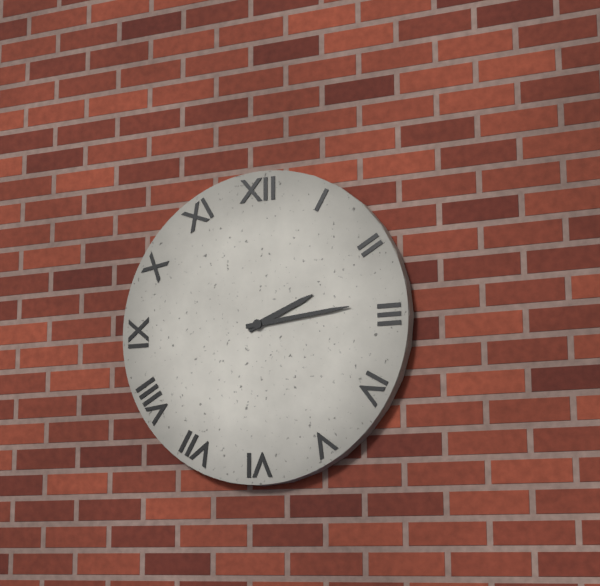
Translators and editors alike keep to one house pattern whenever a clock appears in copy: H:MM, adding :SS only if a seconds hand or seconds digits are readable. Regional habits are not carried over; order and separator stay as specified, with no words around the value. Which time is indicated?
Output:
2:14
